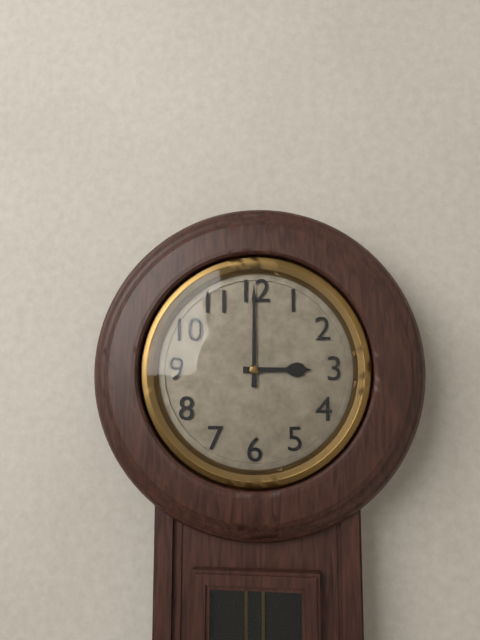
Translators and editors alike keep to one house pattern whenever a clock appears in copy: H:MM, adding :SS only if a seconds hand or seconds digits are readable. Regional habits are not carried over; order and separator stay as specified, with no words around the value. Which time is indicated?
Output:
3:00
